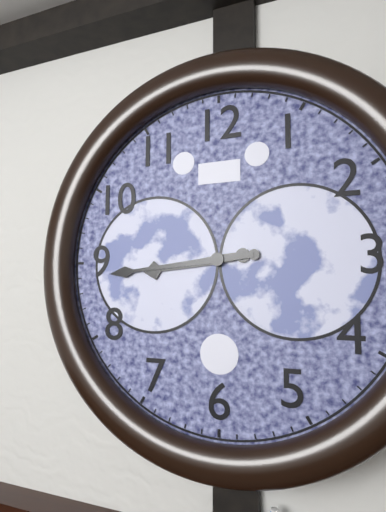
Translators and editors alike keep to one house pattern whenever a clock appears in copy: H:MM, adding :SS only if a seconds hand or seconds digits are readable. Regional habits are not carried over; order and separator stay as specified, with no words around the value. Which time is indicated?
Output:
8:44
